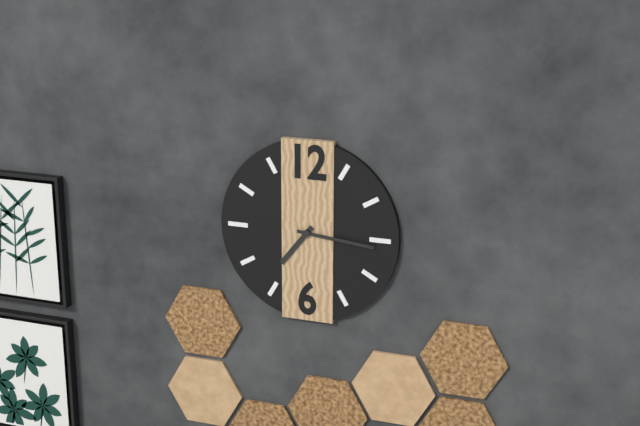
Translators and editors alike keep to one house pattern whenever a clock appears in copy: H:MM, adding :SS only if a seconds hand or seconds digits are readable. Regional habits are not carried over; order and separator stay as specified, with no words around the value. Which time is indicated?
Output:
7:16
